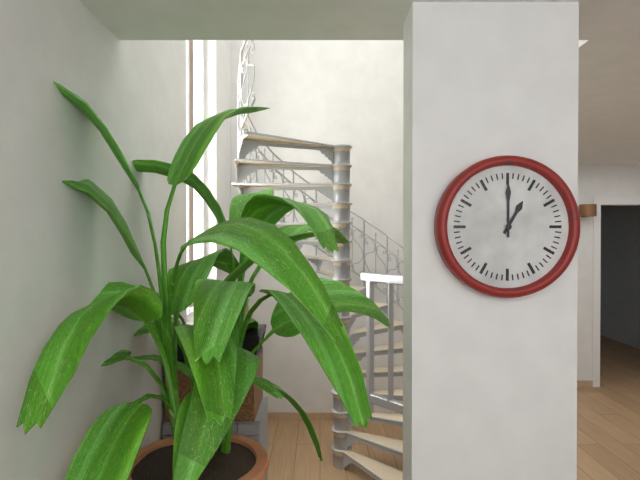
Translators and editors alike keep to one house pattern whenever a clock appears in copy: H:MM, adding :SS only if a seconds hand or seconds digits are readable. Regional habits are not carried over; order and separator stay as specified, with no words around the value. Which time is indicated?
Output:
1:00
